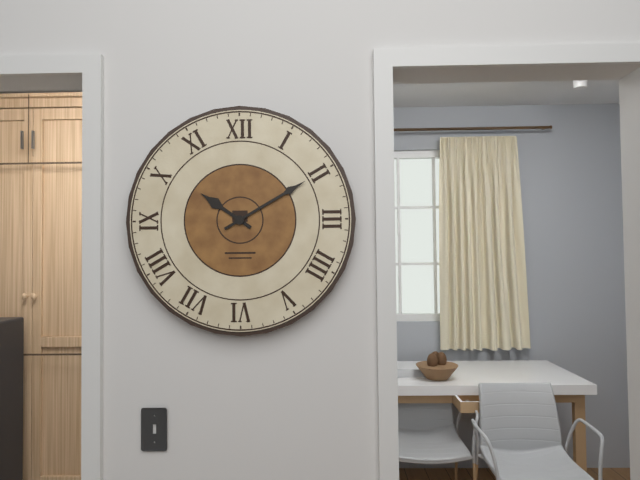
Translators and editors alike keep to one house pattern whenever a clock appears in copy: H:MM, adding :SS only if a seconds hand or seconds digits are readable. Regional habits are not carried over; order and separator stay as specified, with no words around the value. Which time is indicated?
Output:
10:10
